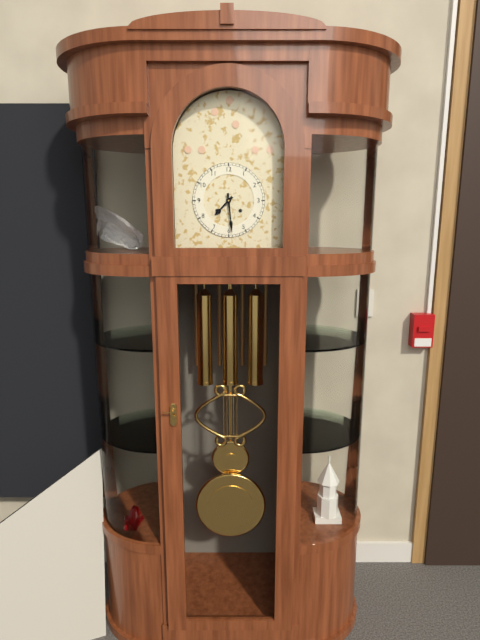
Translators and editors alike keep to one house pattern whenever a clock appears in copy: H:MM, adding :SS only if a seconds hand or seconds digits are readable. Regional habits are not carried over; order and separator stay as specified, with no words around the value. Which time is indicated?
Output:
7:29
